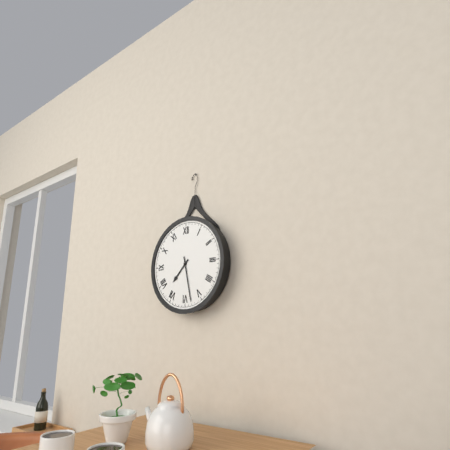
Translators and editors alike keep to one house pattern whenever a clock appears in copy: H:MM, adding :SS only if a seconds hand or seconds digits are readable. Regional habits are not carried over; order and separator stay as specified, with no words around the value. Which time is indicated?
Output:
7:28
